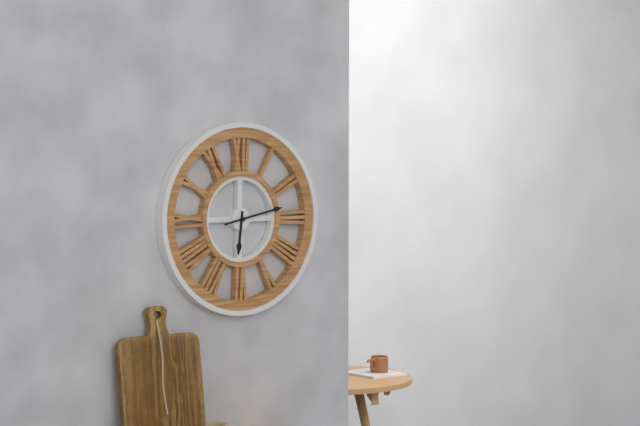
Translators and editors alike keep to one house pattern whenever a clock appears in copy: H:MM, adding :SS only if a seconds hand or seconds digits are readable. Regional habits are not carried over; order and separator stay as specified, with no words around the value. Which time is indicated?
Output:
6:13
